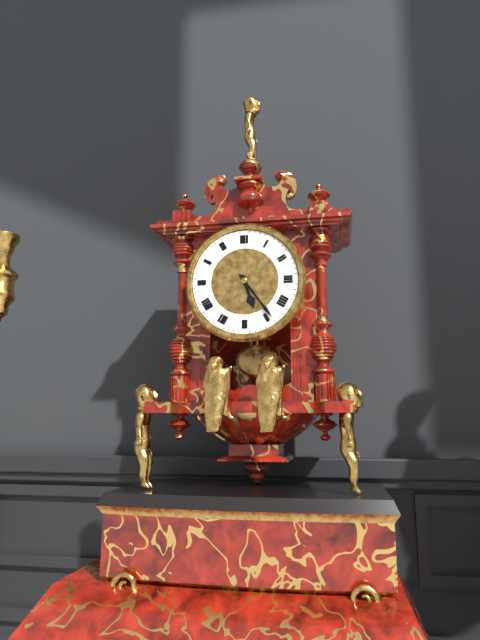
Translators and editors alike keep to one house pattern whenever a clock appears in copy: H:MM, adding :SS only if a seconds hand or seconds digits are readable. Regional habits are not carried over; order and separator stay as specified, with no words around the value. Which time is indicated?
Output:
5:24
